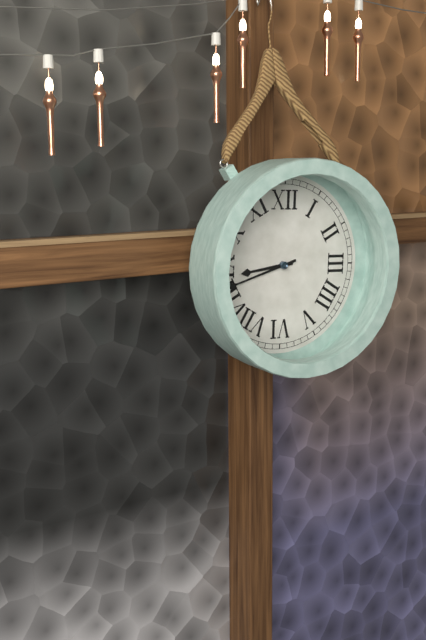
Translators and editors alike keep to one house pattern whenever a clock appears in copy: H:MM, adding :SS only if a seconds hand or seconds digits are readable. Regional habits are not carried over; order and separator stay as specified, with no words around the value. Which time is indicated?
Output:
8:42
